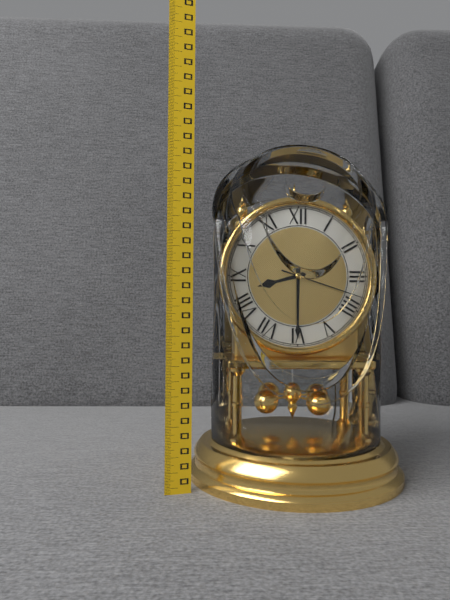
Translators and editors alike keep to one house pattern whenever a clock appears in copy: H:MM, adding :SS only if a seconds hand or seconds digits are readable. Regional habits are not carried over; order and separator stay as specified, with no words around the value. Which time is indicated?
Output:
8:30:18
